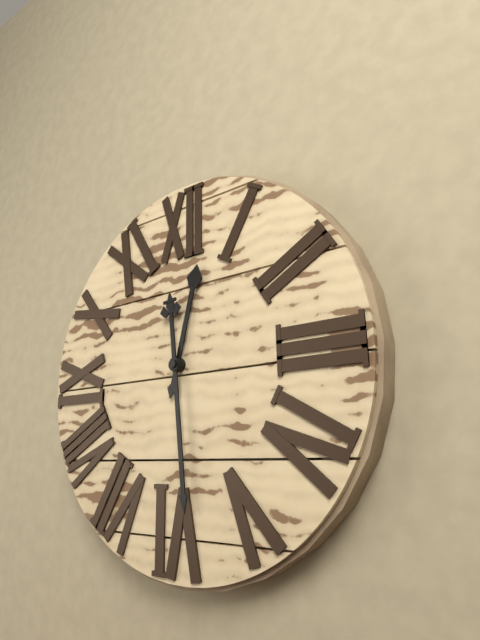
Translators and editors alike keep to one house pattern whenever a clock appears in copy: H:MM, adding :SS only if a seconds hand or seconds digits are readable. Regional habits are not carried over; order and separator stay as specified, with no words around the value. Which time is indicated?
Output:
12:29
